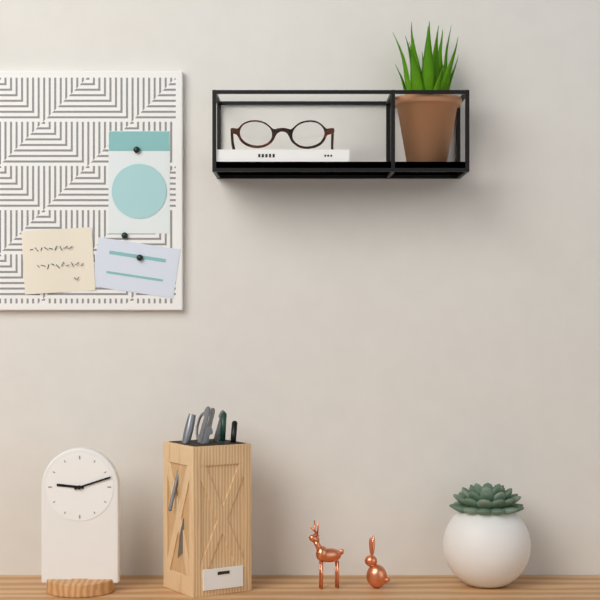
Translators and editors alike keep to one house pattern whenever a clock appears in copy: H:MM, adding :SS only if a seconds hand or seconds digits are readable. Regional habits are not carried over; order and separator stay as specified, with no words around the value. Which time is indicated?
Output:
9:12
